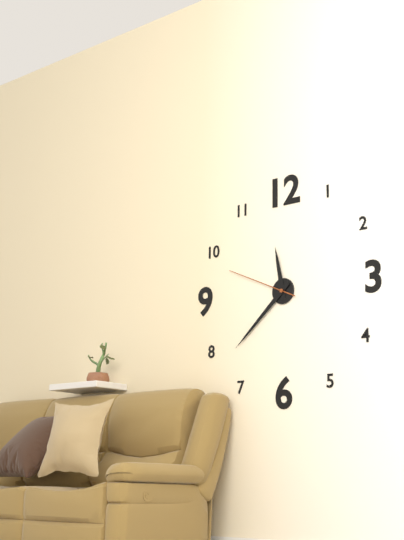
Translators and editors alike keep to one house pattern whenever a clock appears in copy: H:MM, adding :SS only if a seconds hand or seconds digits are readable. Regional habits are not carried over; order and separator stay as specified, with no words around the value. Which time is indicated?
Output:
11:38:49
